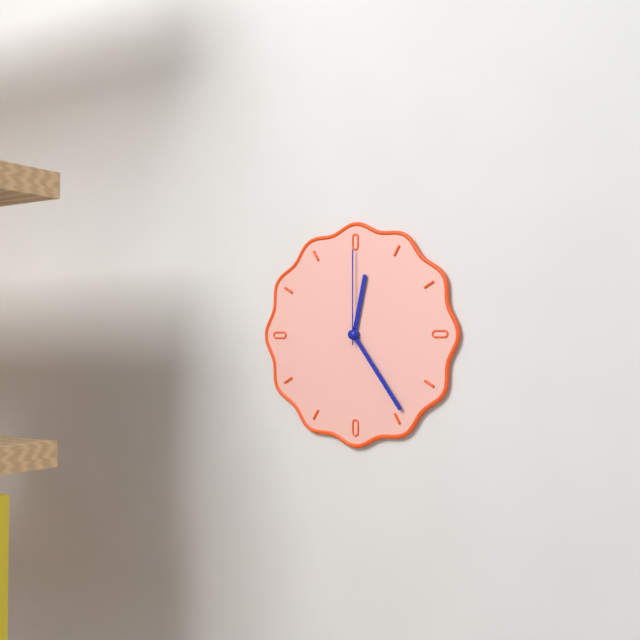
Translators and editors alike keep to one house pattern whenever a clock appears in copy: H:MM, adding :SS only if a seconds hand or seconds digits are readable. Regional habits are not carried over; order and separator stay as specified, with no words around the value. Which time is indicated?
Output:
12:24:00
